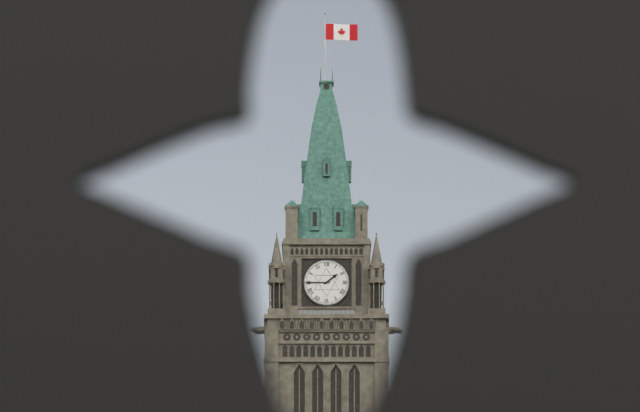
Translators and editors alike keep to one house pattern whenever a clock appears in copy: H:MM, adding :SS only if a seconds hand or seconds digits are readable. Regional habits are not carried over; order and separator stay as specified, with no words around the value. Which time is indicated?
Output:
1:45
